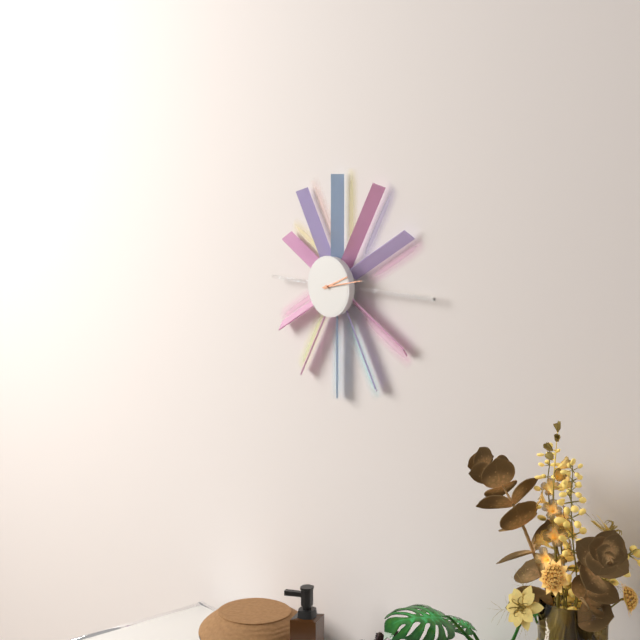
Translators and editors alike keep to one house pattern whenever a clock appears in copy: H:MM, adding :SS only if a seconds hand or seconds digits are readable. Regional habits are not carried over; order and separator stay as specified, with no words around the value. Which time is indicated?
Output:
2:13
